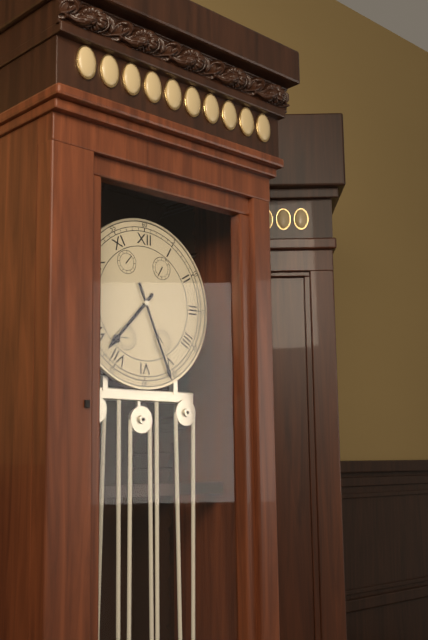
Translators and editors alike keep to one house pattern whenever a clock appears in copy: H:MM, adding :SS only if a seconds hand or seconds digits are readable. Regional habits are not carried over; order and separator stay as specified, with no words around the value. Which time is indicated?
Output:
7:26
